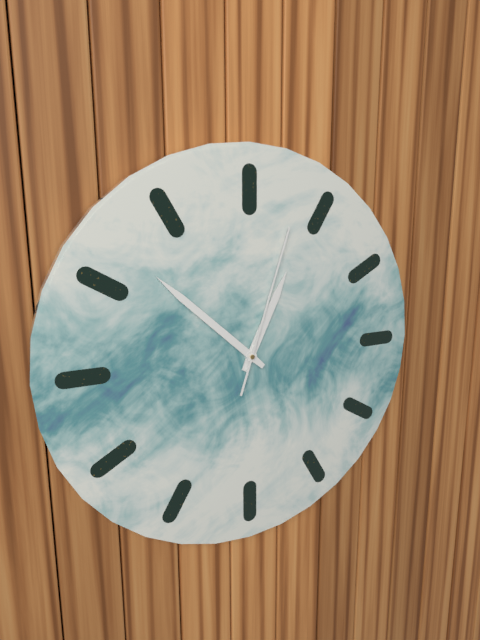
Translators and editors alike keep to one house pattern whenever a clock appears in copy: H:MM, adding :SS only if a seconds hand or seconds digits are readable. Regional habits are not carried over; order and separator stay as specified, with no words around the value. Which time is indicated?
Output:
12:52:03
